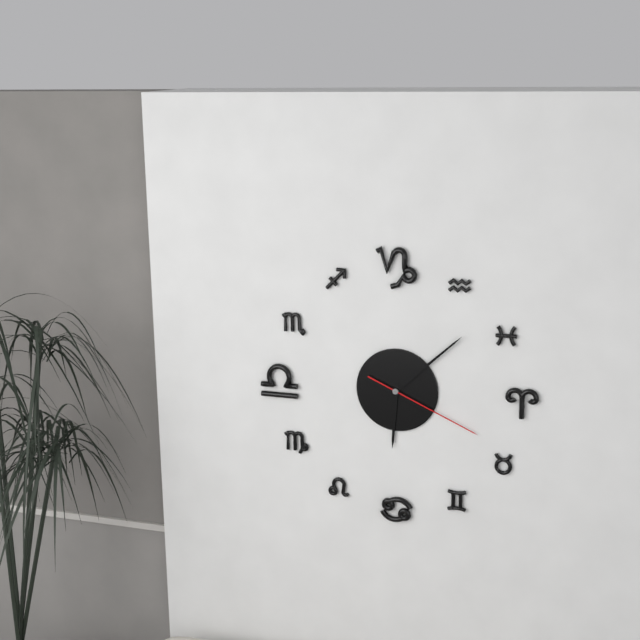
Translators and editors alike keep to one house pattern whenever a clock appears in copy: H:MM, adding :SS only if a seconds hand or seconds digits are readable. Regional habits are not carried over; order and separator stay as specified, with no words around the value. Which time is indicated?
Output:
6:08:19
